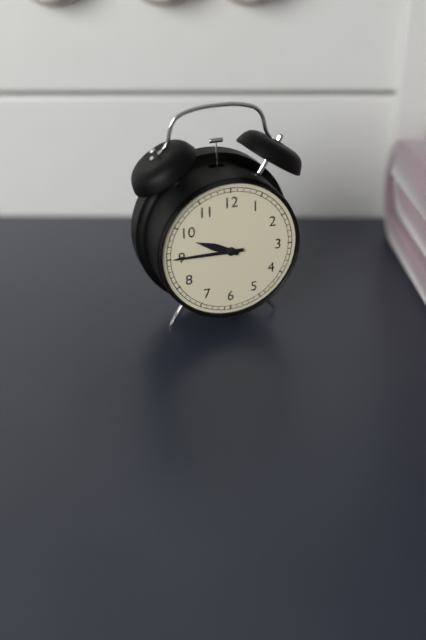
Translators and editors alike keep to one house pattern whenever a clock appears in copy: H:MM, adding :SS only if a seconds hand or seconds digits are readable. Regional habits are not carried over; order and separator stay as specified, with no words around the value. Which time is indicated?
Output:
9:45
